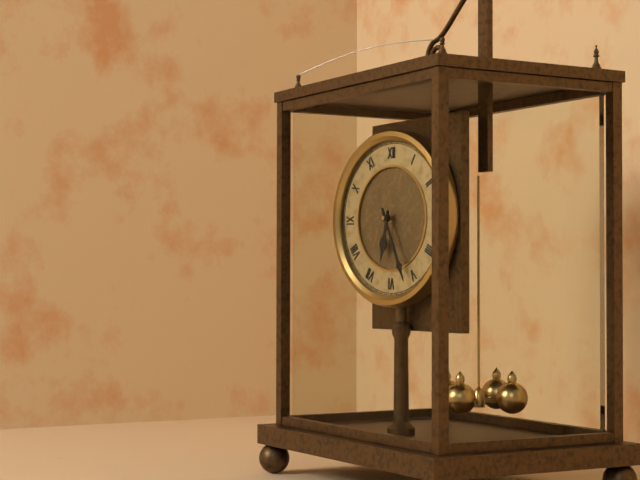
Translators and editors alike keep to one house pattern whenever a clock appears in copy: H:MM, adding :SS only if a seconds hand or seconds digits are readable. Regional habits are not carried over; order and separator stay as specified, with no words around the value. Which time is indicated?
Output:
6:26
